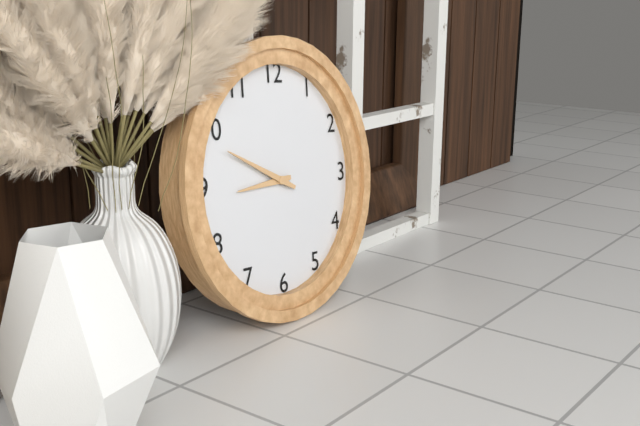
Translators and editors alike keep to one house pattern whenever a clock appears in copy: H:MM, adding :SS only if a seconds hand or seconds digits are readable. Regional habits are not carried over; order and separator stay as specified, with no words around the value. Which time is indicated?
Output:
8:49
